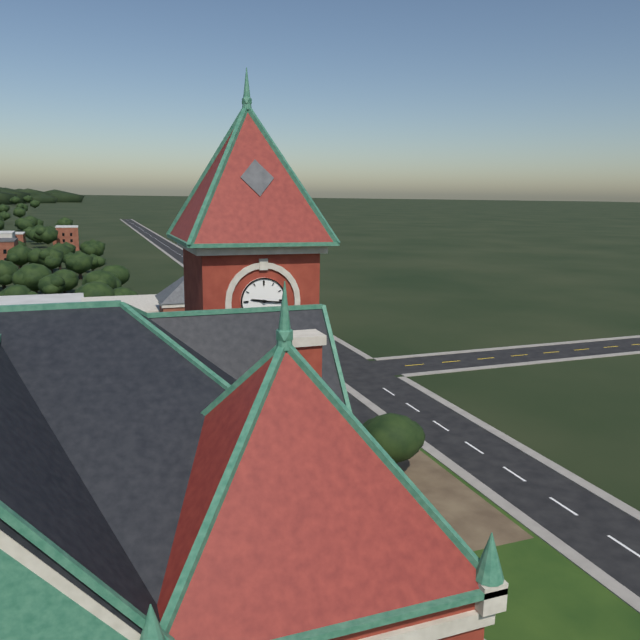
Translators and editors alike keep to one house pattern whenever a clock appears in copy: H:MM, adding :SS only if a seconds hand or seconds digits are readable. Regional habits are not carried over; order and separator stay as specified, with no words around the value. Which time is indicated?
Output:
9:16
